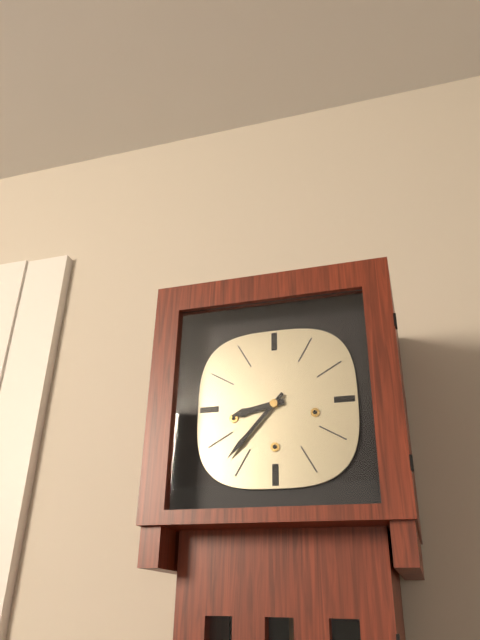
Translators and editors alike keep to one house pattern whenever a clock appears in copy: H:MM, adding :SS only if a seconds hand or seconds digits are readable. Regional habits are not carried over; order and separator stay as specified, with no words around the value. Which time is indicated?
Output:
8:37
